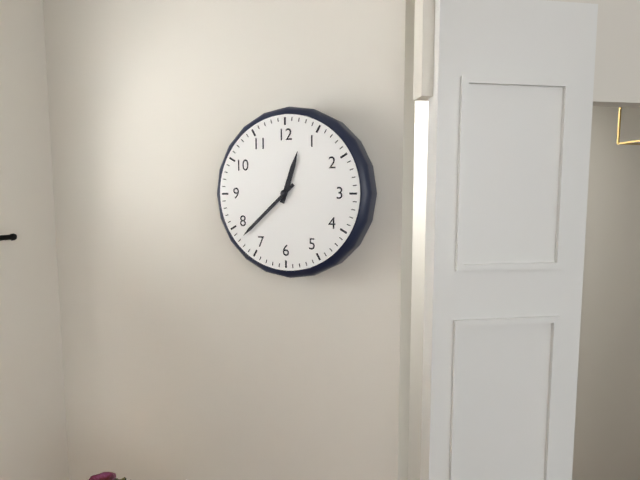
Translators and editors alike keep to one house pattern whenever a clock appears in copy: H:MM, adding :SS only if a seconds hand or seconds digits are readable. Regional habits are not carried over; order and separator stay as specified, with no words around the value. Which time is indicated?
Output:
12:38
